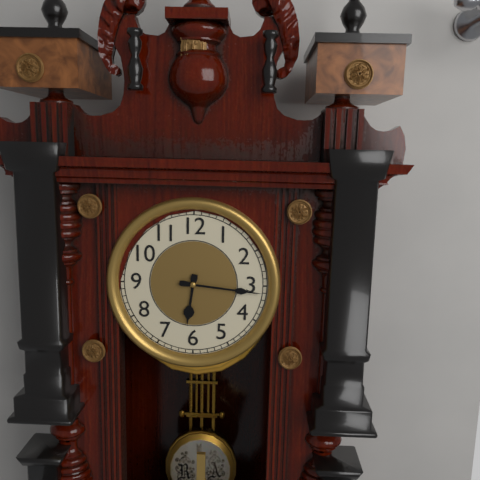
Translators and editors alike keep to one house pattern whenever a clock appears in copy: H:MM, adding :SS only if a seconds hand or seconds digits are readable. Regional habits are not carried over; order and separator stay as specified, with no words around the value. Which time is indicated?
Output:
6:16
